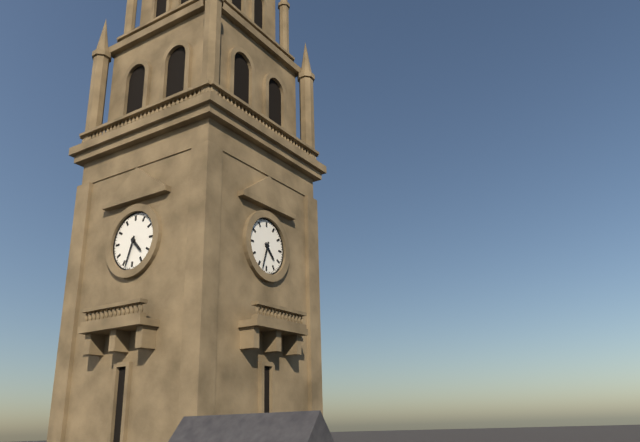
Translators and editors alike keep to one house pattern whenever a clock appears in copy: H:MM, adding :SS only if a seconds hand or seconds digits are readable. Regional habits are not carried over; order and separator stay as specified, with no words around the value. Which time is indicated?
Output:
4:33
